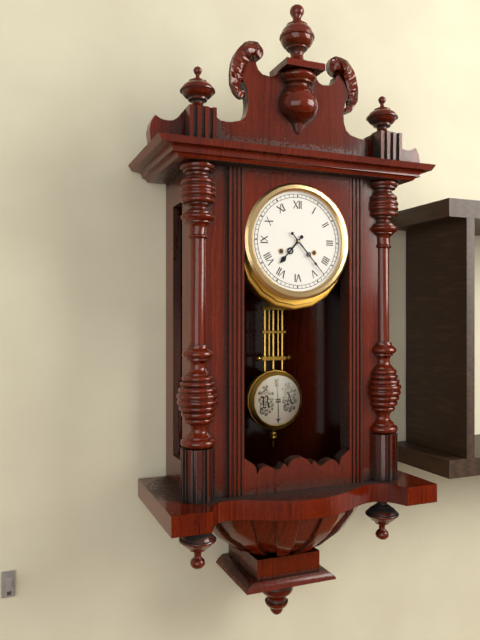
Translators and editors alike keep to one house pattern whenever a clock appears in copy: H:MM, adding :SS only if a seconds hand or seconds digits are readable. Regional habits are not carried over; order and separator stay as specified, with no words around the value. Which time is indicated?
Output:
7:23
